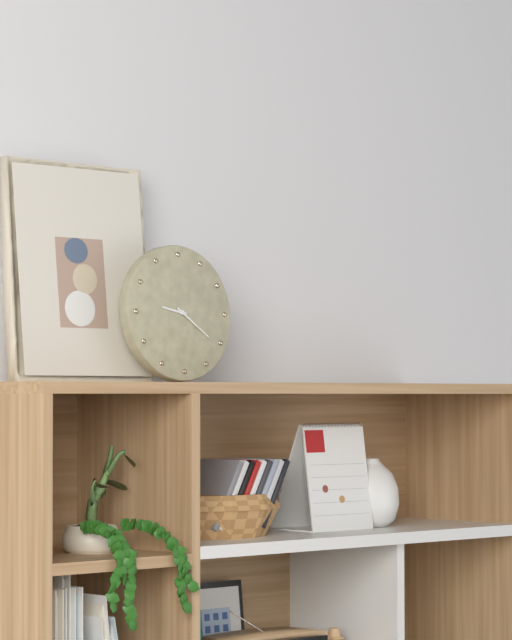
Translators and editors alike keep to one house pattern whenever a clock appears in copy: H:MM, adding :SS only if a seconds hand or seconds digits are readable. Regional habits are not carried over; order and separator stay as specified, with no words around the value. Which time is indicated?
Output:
9:21
